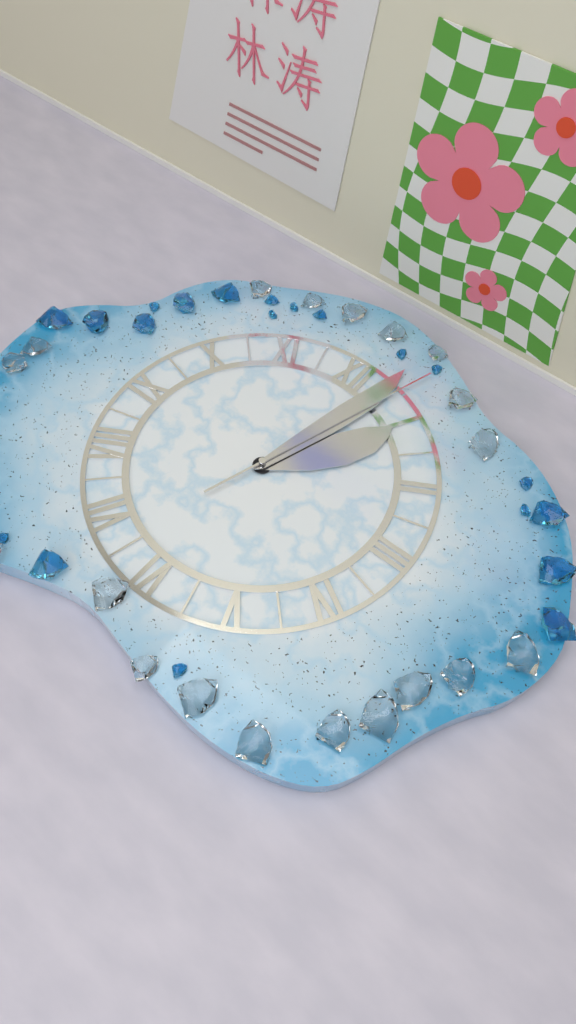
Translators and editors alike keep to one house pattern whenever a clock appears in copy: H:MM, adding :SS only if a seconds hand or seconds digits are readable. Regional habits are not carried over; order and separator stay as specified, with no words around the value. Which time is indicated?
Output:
1:02:03
